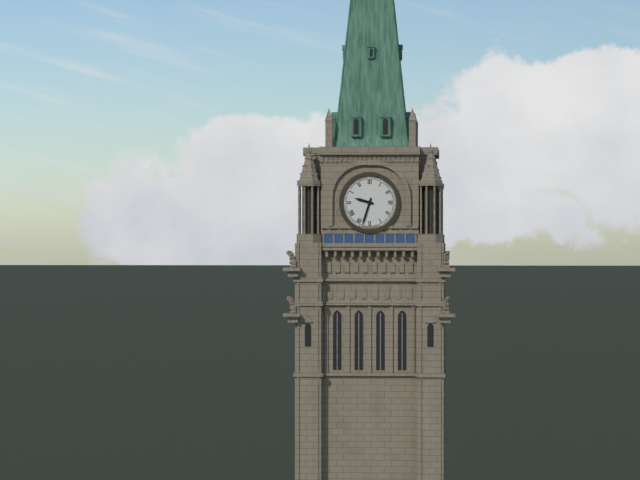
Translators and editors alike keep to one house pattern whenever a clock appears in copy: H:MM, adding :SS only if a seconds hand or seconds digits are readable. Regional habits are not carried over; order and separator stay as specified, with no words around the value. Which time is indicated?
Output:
9:33
